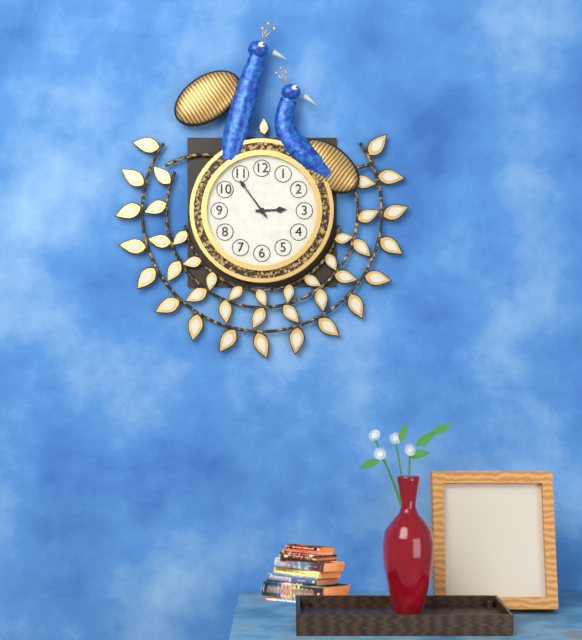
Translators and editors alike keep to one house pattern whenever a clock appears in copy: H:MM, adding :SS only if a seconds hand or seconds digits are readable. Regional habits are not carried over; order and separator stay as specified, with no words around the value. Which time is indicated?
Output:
2:54
